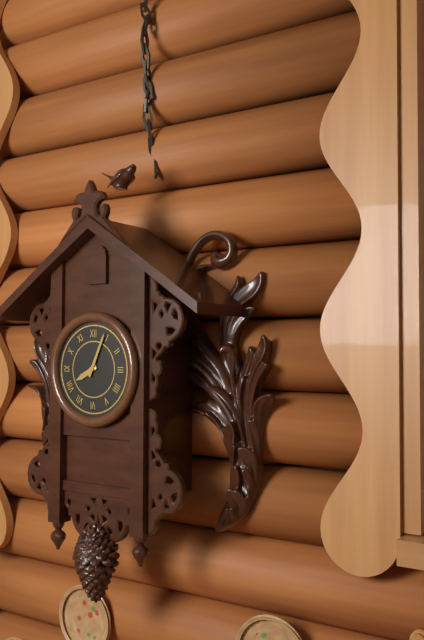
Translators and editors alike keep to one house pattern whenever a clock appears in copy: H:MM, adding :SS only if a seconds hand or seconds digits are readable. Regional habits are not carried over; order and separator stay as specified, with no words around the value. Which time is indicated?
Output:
8:04
